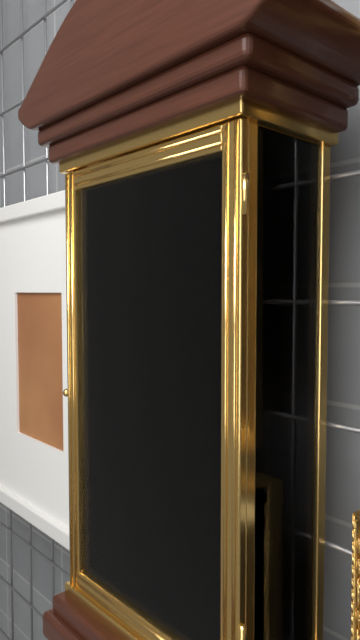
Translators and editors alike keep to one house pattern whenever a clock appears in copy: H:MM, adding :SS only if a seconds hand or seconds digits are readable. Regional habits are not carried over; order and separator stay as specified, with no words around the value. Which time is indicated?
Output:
5:10
